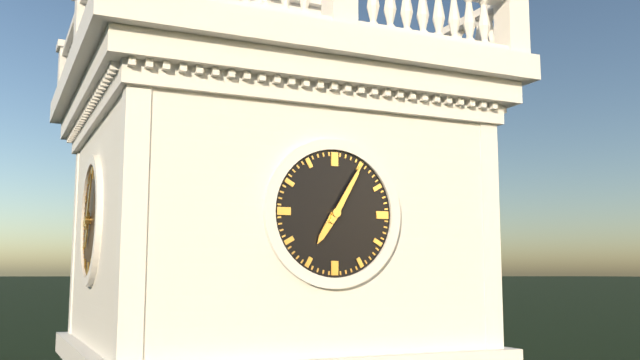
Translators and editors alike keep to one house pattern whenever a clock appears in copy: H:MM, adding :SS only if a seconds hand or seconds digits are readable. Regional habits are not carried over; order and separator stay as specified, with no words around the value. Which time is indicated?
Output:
7:05
